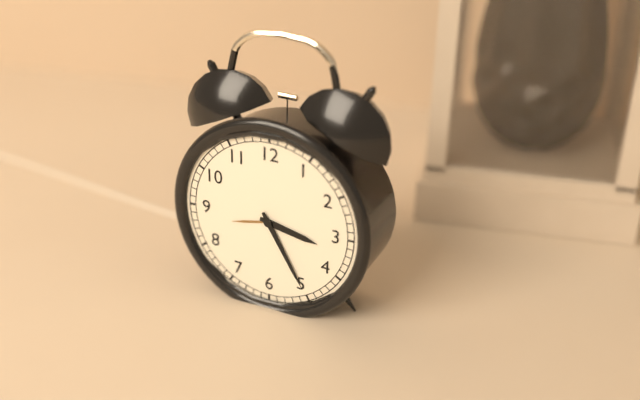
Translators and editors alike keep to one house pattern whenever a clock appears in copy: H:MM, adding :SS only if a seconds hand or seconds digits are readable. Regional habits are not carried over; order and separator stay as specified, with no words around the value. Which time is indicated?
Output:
3:25
